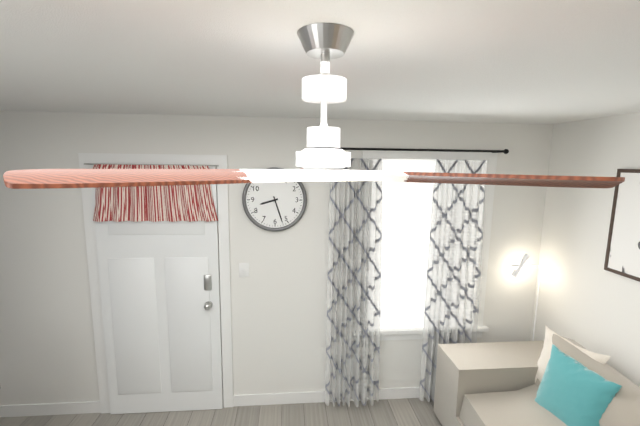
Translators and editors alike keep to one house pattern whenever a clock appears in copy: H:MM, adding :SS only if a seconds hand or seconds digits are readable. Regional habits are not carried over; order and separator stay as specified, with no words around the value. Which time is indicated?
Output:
8:27
